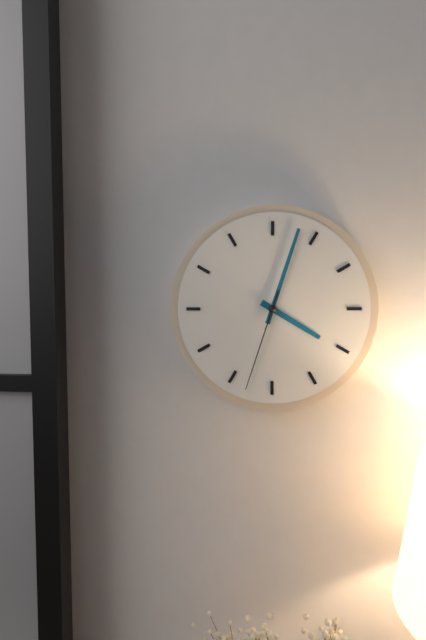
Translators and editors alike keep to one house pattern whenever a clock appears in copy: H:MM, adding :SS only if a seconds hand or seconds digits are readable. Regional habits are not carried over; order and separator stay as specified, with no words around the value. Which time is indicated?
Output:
4:03:33
